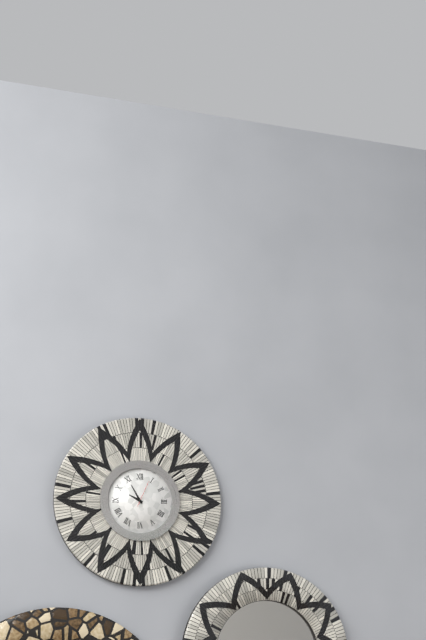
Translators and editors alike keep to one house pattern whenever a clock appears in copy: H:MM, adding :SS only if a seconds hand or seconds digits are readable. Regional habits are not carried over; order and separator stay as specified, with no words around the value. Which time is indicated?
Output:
9:55
